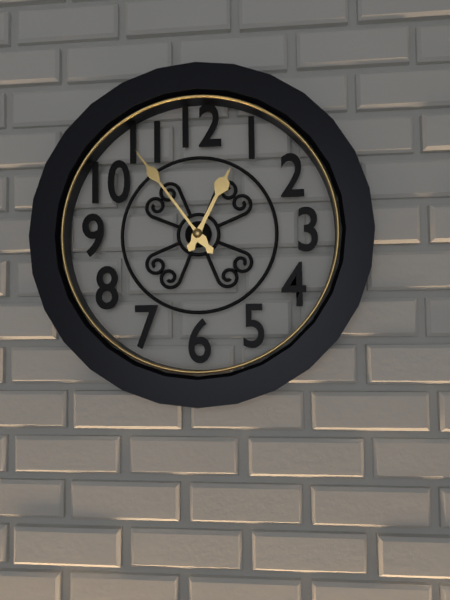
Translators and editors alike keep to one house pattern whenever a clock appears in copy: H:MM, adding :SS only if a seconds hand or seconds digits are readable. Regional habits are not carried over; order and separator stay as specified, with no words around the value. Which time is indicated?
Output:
12:54
